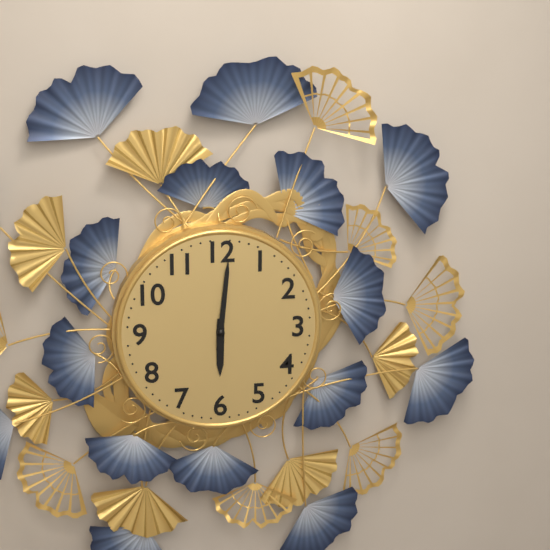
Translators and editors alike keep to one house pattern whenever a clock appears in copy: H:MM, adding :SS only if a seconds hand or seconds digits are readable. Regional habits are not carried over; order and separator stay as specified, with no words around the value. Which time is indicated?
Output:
6:01
